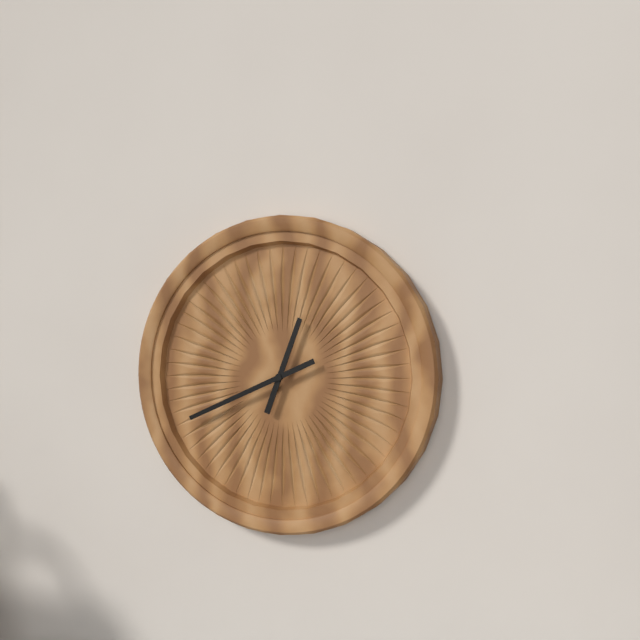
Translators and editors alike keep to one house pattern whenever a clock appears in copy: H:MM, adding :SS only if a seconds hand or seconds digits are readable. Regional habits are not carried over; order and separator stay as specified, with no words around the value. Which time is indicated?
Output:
12:41
